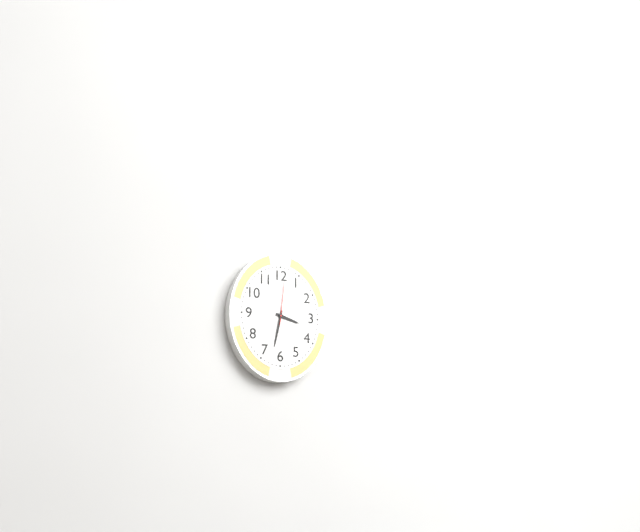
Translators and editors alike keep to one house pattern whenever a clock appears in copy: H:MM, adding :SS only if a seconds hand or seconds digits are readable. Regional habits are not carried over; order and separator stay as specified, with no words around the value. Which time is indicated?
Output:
3:32
